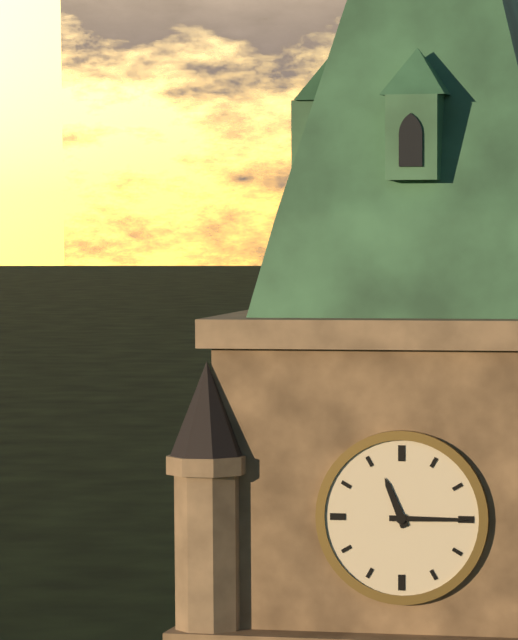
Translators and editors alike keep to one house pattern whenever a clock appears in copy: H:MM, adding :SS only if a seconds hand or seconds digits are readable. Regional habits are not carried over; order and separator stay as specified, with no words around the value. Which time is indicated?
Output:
11:15
